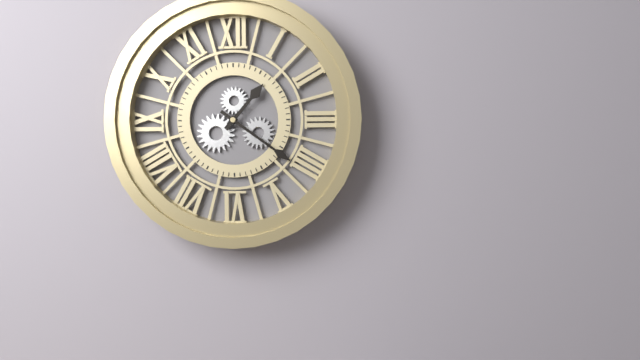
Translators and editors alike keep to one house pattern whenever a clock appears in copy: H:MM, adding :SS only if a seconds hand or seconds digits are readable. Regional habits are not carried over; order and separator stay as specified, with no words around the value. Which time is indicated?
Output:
1:21
